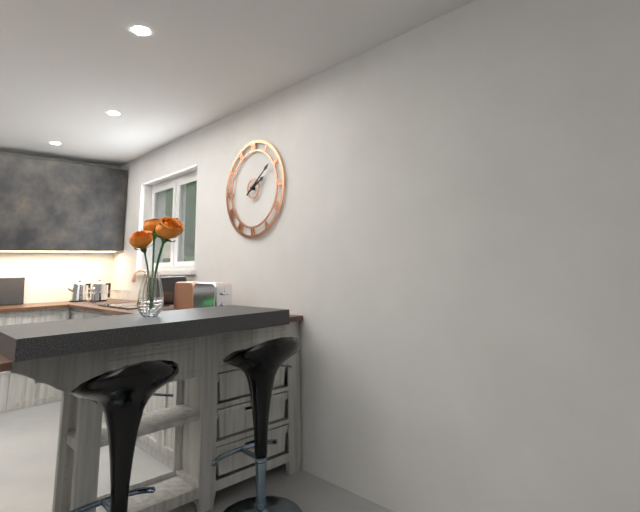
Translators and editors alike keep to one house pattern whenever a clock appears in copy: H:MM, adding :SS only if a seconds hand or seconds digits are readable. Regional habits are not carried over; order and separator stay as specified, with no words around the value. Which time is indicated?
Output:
2:09
